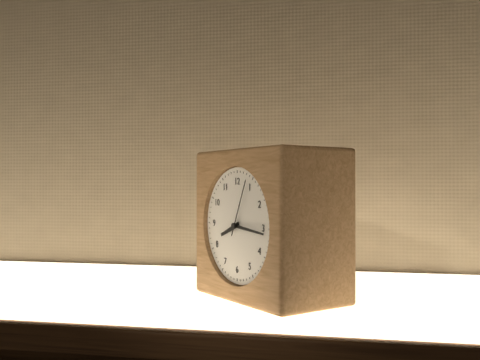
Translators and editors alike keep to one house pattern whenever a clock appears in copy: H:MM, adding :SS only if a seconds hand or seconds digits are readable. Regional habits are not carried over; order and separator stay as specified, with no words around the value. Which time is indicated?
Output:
8:16:04
